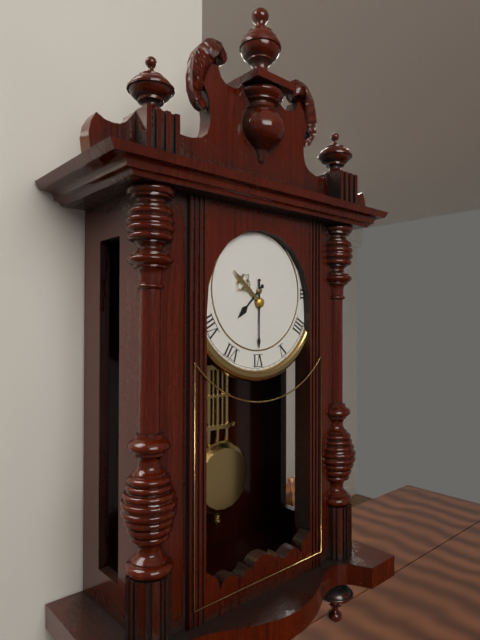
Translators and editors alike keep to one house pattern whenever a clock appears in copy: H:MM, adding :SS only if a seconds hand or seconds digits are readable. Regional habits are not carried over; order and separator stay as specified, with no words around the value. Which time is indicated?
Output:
7:30
